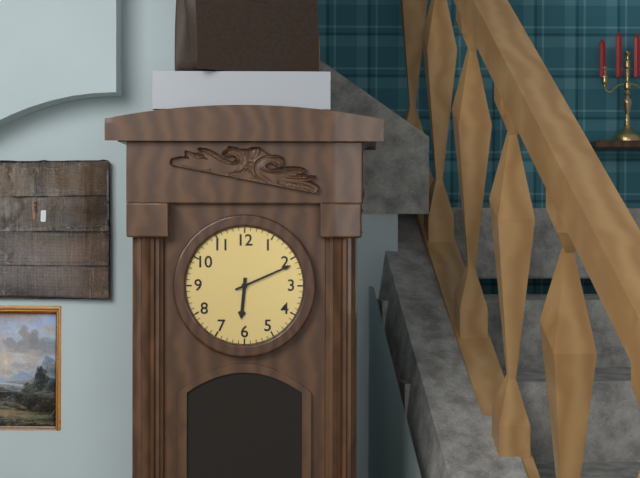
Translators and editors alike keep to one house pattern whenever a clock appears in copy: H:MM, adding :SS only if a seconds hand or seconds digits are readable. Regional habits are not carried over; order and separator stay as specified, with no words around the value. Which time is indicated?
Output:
6:11
